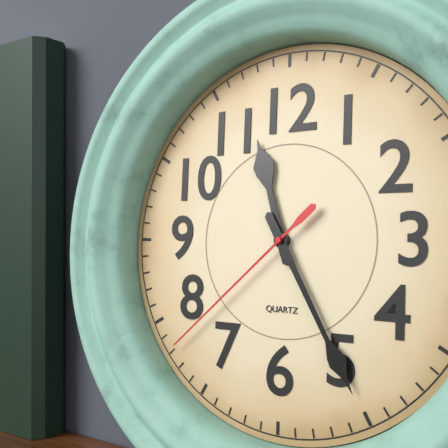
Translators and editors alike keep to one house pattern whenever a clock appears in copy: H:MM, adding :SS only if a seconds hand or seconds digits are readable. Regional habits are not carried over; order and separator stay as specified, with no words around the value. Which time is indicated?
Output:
11:25:38
